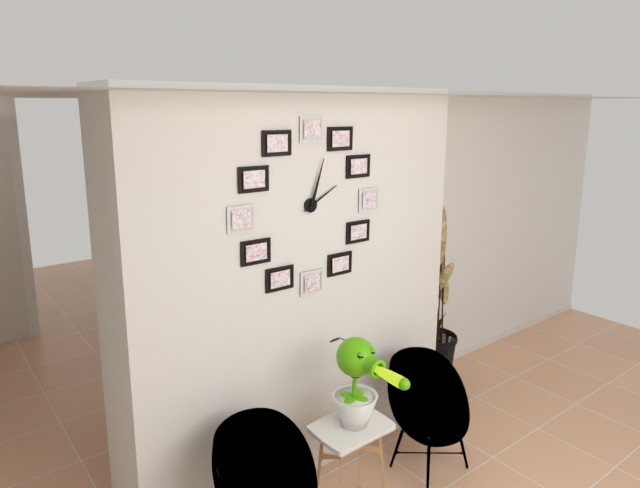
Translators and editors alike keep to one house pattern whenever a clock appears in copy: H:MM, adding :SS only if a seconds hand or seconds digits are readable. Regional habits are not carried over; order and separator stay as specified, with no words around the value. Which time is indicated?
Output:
2:03
